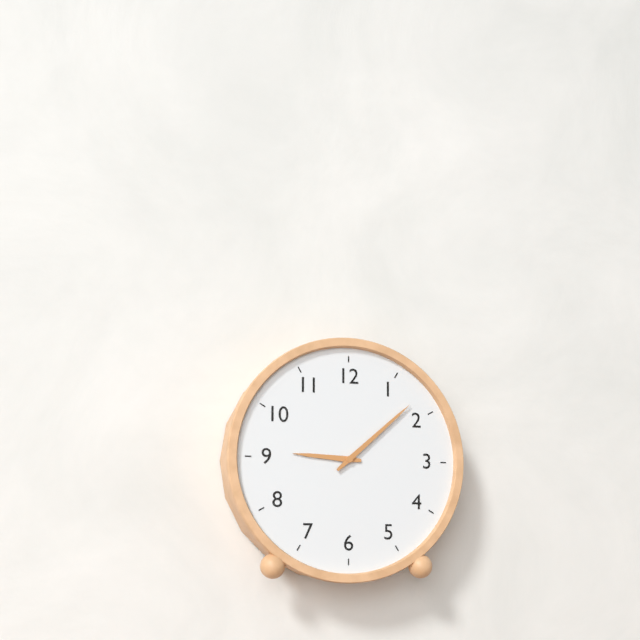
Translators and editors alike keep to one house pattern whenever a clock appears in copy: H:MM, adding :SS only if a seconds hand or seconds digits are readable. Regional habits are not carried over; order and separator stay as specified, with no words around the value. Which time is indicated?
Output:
9:08
